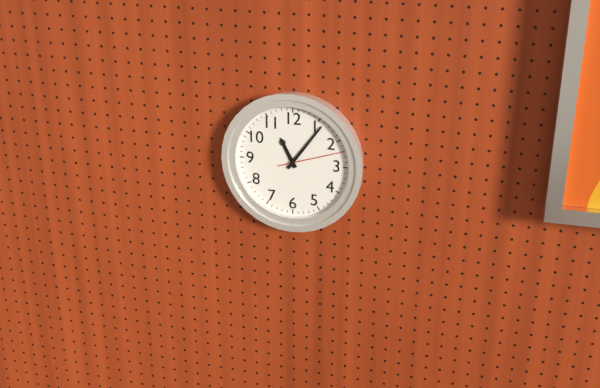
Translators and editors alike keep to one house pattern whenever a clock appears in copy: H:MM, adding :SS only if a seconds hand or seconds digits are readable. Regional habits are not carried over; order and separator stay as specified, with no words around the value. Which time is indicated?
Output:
11:06:12
